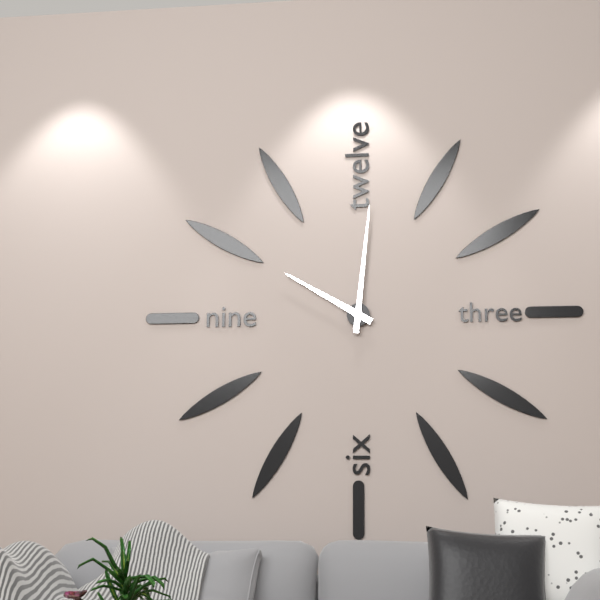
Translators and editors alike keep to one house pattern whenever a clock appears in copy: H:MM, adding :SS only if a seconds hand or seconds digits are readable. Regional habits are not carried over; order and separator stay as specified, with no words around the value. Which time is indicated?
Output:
10:01
